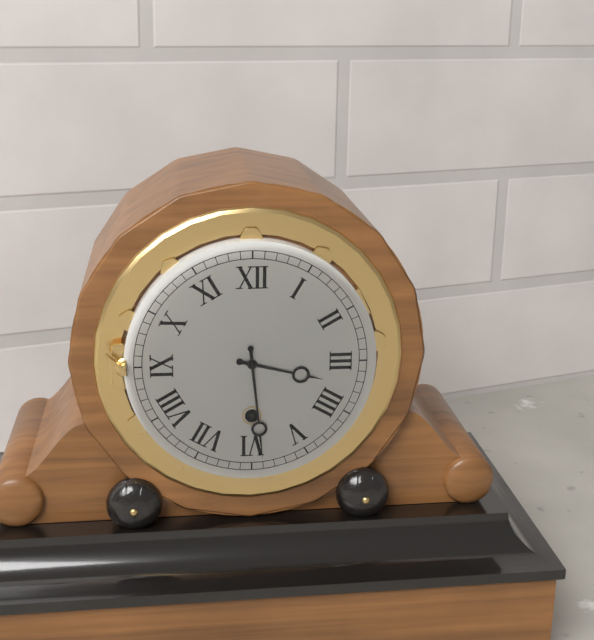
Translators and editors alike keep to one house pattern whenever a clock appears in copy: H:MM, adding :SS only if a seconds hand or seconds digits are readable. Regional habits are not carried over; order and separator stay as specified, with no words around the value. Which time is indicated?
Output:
3:29
